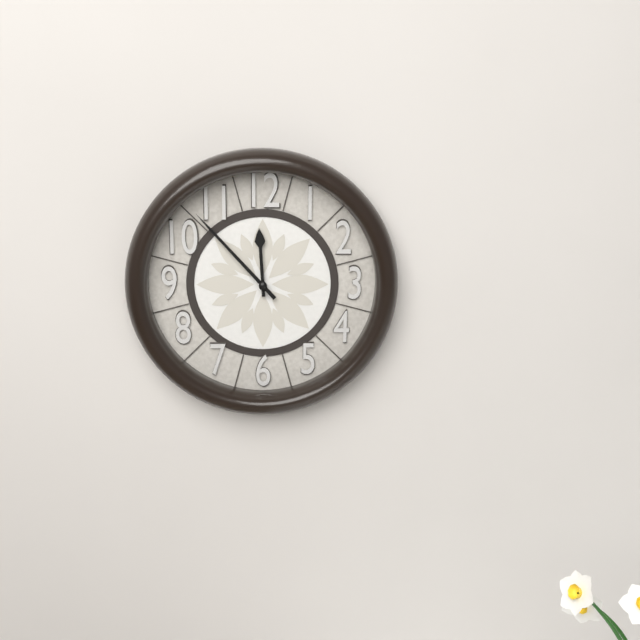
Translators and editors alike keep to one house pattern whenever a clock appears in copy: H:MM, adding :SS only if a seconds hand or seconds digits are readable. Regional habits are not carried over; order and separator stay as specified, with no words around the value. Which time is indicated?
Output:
11:53
